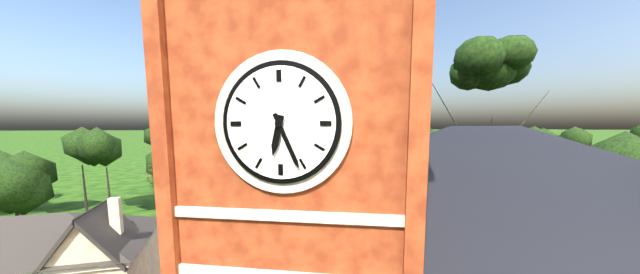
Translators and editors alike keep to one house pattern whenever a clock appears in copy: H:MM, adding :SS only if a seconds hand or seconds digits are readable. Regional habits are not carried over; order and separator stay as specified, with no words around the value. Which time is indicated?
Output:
6:26
